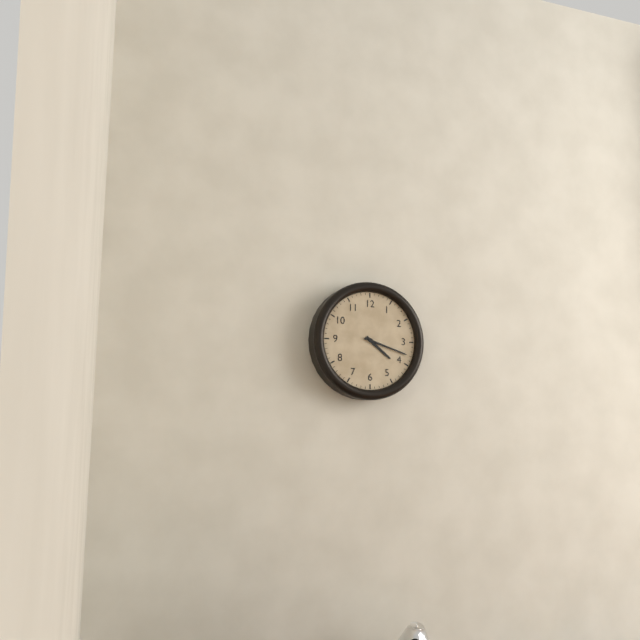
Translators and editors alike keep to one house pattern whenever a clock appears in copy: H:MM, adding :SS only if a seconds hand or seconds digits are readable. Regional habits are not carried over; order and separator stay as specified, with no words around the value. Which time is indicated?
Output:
4:18
